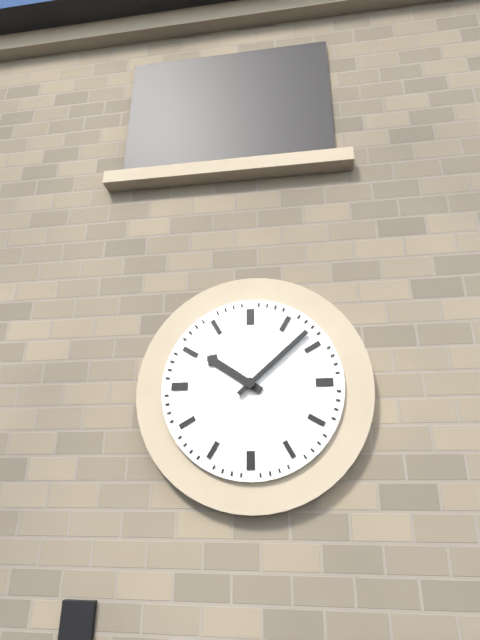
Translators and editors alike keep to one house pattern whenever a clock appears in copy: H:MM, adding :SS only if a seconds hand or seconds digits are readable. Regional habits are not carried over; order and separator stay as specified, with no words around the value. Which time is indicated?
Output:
10:08
